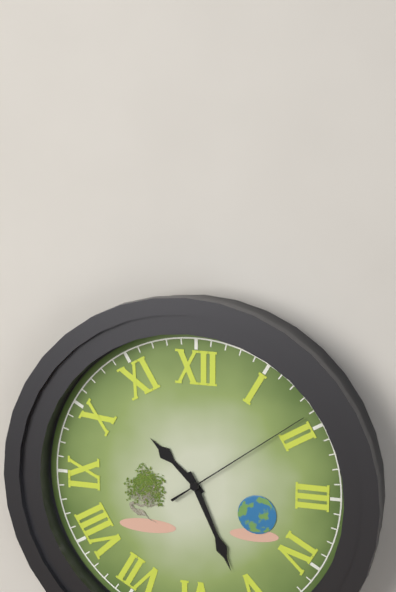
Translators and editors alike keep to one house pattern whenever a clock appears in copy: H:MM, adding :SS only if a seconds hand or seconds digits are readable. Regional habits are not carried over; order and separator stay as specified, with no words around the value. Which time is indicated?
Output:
10:26:09
